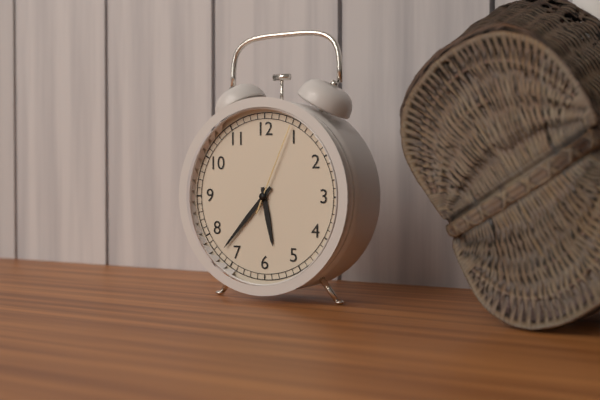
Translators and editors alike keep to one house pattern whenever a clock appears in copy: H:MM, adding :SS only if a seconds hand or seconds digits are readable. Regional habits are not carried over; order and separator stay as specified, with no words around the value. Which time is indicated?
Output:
5:37:04
